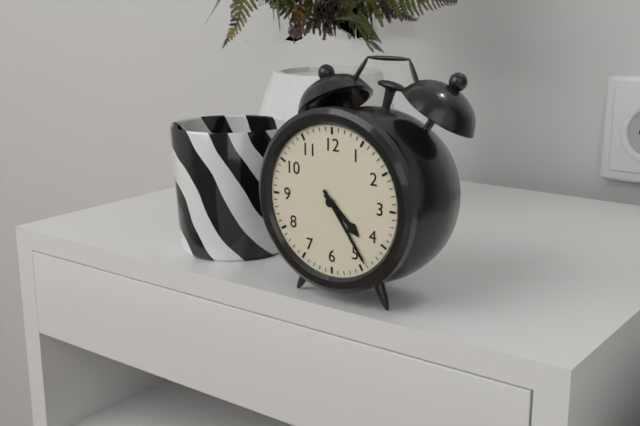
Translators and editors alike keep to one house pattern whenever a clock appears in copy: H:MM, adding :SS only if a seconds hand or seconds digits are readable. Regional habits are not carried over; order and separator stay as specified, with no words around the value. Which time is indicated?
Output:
4:24
